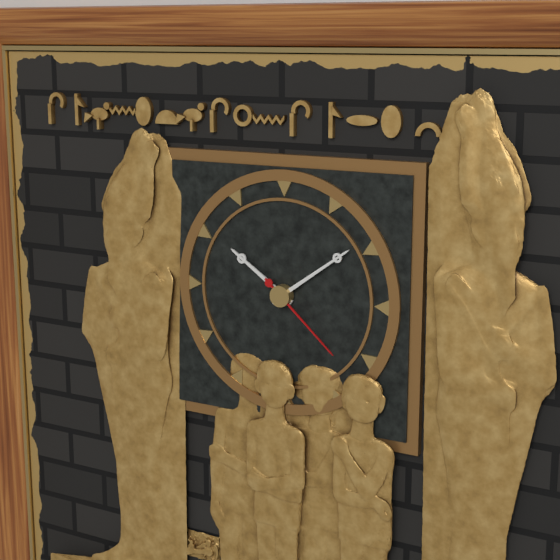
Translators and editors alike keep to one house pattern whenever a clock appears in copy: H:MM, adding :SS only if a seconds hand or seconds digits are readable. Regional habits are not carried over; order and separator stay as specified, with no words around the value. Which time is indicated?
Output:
10:09:22
